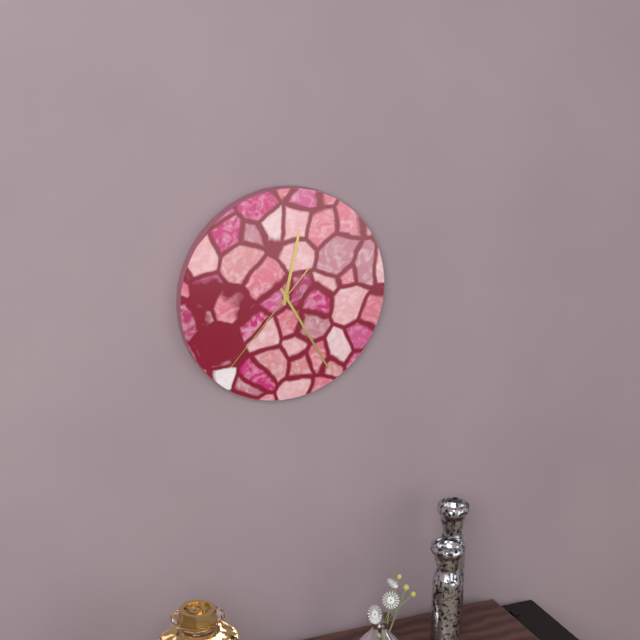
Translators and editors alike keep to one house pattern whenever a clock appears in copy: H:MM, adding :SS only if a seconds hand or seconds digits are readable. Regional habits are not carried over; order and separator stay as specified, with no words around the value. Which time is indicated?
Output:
12:25:37
